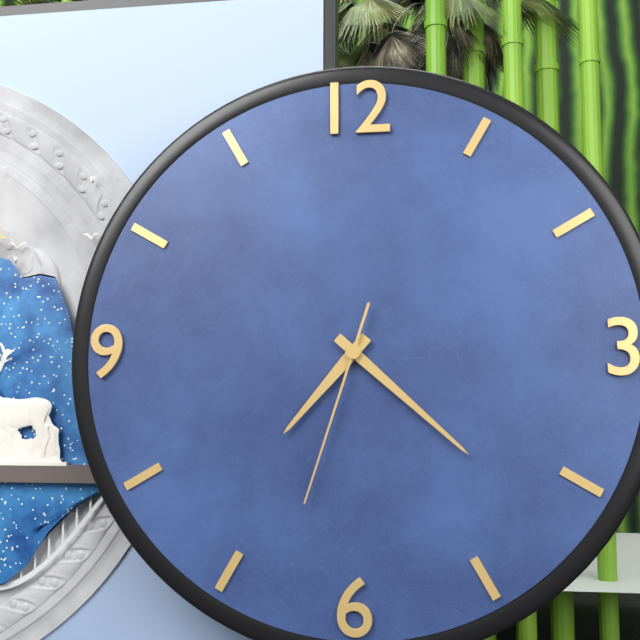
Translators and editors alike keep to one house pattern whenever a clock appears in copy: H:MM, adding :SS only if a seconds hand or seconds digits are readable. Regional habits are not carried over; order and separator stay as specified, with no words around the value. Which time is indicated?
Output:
7:22:33
